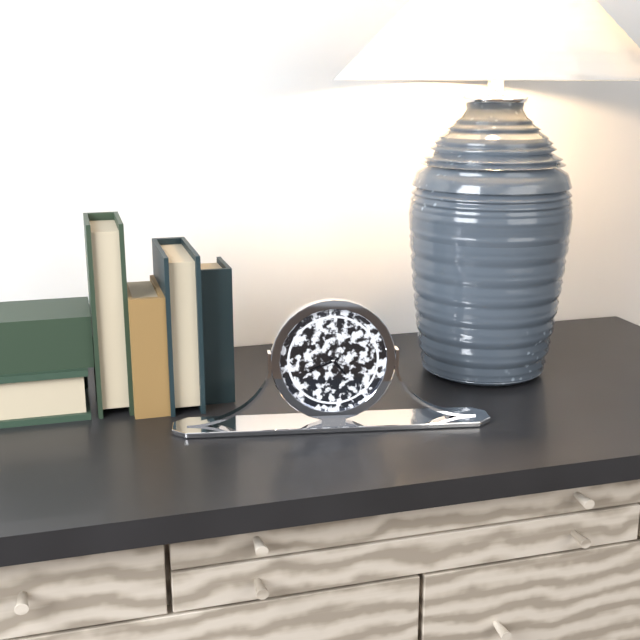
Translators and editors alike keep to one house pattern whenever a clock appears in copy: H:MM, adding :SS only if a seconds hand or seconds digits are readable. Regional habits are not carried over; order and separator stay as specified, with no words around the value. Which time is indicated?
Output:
4:41
